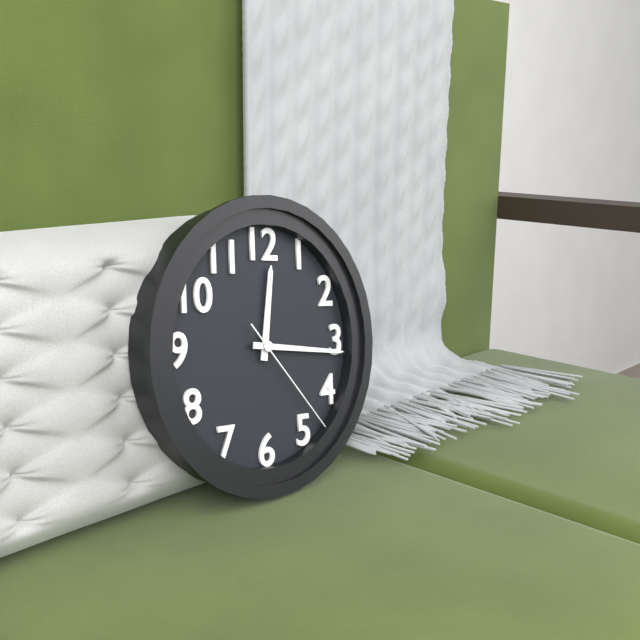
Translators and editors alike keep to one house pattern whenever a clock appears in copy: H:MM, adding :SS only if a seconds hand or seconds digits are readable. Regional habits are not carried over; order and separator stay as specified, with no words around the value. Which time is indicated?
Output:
12:16:23
